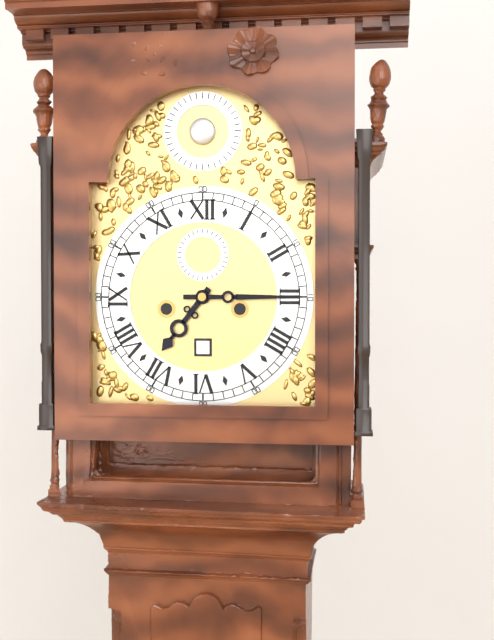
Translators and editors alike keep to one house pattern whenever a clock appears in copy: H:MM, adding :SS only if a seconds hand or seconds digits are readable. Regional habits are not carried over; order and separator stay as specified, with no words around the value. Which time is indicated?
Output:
7:15
